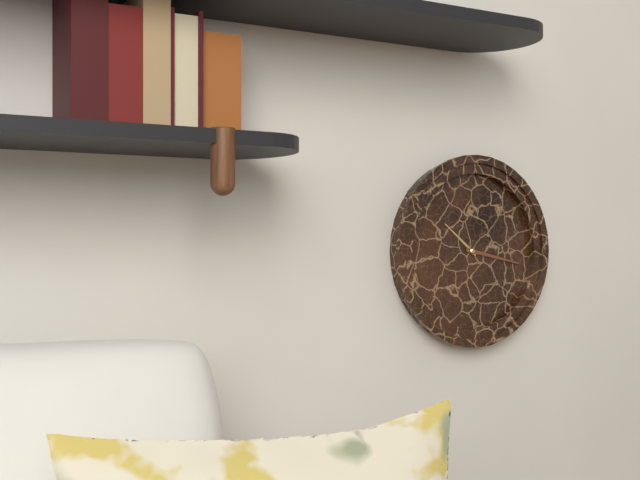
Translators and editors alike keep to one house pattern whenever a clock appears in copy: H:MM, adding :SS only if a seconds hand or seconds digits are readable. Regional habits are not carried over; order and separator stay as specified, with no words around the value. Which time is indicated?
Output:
10:17
